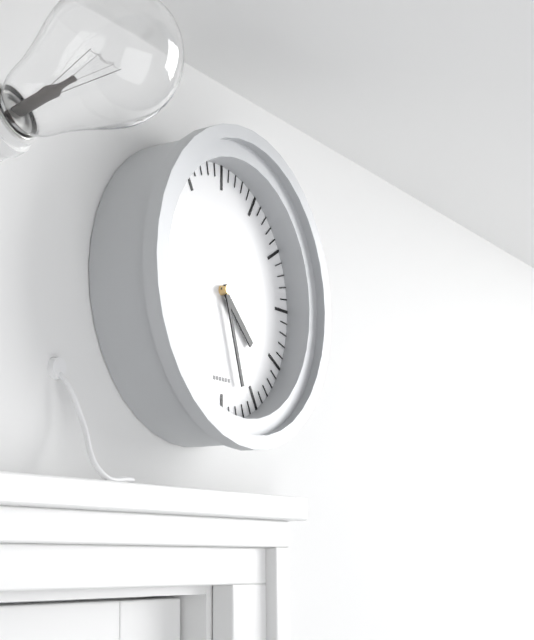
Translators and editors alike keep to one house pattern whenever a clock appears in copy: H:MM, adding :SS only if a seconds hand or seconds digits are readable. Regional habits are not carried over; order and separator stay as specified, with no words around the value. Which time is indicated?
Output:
4:27
